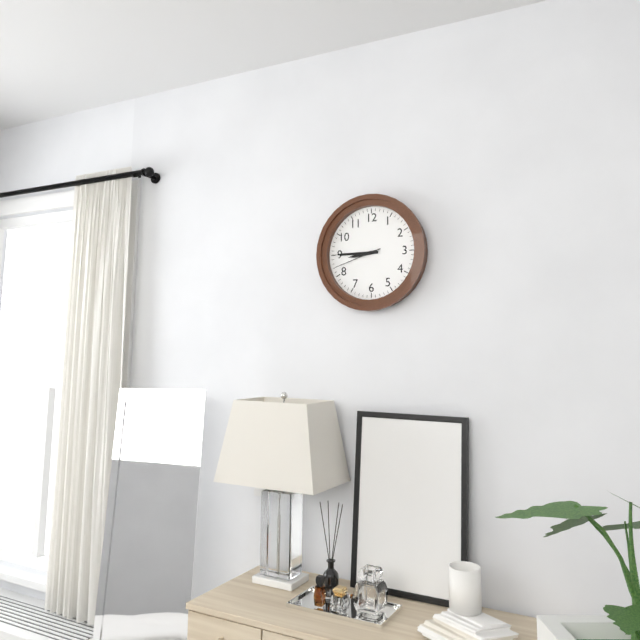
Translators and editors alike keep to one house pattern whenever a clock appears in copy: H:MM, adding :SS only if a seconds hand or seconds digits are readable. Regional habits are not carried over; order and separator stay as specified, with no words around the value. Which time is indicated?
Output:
8:45
